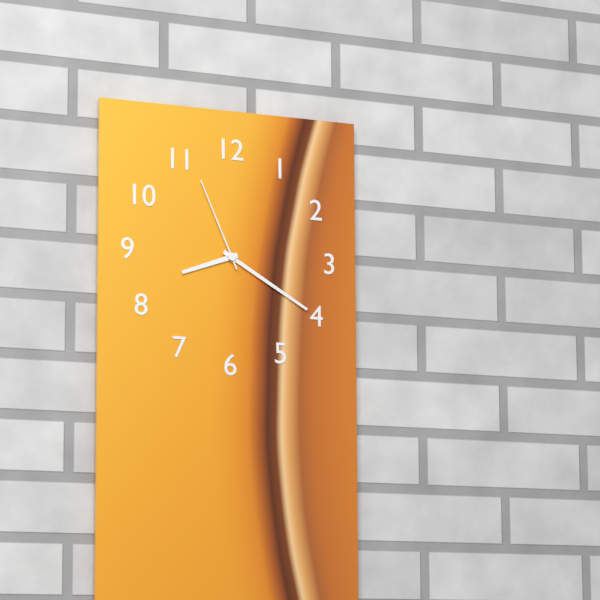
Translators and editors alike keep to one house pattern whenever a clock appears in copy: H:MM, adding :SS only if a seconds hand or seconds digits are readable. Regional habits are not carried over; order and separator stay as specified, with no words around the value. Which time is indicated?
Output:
8:20:56
